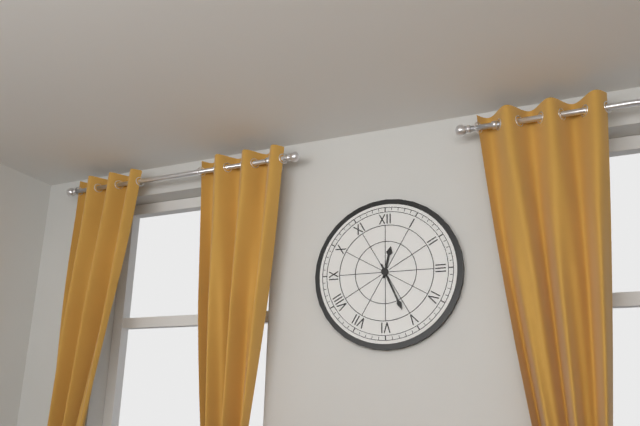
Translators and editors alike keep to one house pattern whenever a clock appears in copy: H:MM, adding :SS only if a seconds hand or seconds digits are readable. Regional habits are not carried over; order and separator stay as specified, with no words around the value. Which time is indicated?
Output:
12:26
